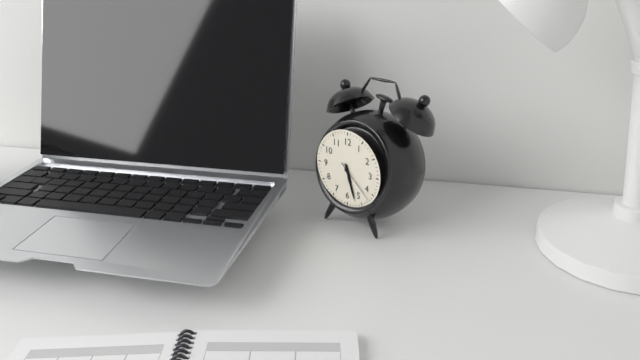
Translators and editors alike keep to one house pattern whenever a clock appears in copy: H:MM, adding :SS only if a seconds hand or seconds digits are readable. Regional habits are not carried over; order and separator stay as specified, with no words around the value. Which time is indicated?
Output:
5:27
